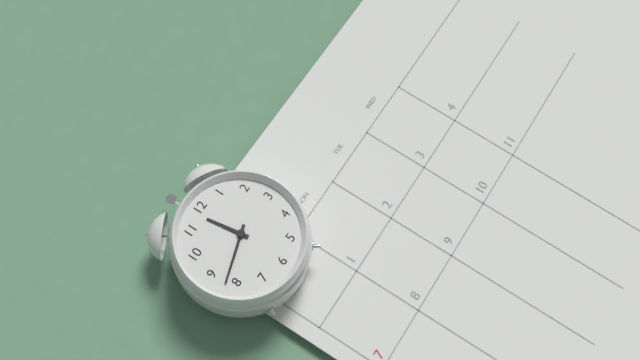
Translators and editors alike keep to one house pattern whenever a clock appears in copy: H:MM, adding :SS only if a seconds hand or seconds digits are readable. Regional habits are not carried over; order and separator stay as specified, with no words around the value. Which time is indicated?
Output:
11:42
